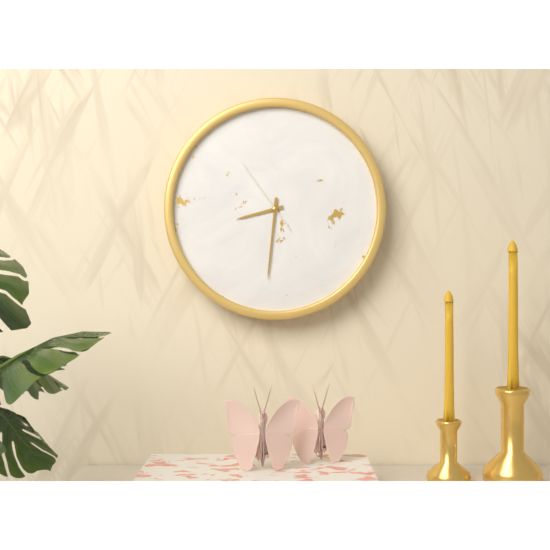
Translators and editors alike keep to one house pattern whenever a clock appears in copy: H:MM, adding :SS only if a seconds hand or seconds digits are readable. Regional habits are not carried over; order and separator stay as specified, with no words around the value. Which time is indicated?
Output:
8:31:54
